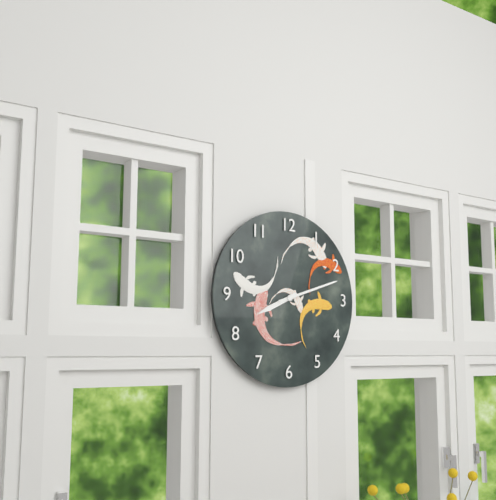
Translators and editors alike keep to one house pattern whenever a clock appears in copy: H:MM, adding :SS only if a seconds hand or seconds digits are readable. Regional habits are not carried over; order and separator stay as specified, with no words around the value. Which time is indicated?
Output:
8:12
